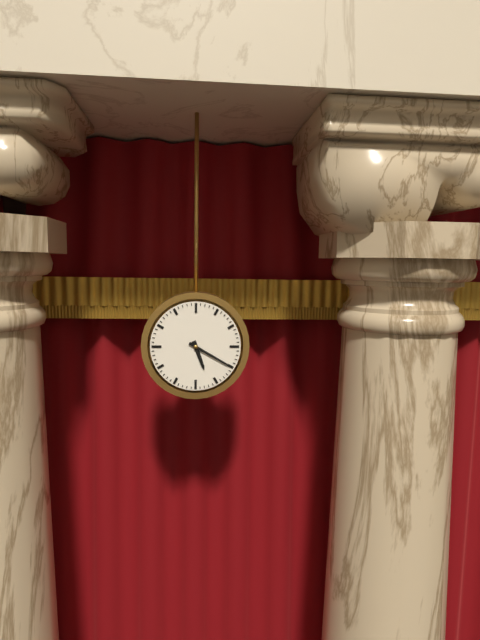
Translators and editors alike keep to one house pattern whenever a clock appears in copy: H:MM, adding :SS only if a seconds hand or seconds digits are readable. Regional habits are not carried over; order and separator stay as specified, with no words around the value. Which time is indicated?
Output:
5:20
